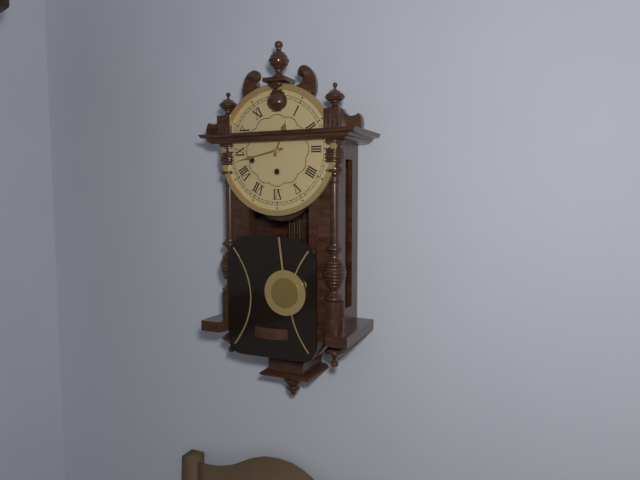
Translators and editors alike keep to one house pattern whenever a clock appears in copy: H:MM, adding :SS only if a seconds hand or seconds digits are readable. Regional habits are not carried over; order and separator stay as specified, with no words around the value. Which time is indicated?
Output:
12:43
